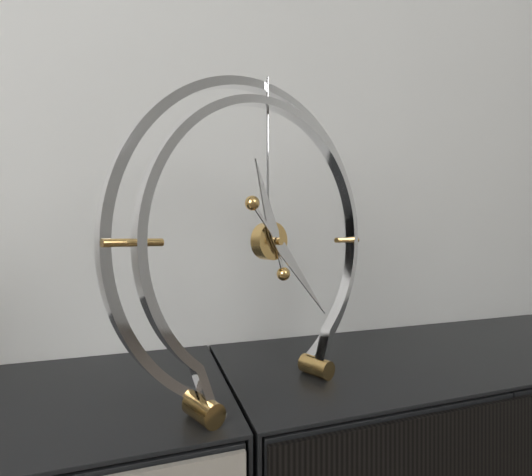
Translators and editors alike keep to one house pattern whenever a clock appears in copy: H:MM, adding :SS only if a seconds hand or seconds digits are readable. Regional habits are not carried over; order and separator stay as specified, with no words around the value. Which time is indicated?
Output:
11:23
